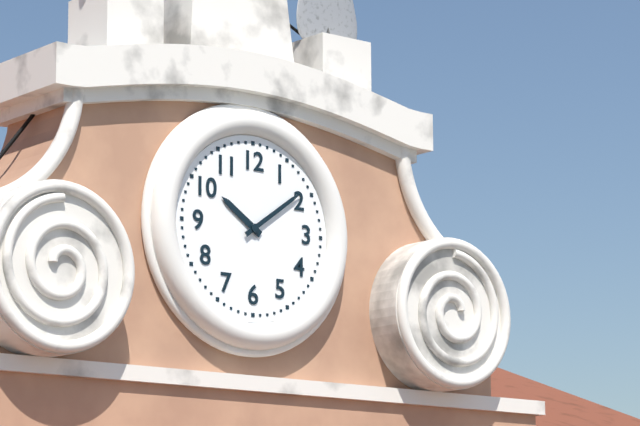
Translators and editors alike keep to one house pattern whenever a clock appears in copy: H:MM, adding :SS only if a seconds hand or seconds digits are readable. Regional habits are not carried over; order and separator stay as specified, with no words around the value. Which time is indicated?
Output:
10:09
